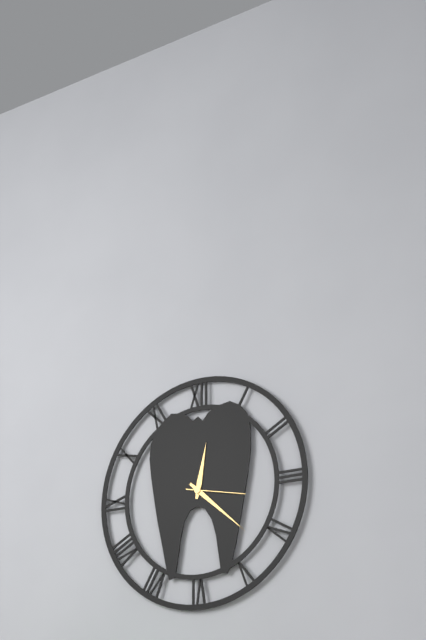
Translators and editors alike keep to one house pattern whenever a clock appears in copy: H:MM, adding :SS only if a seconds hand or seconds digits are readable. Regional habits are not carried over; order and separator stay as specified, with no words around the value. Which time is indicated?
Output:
12:22:17
